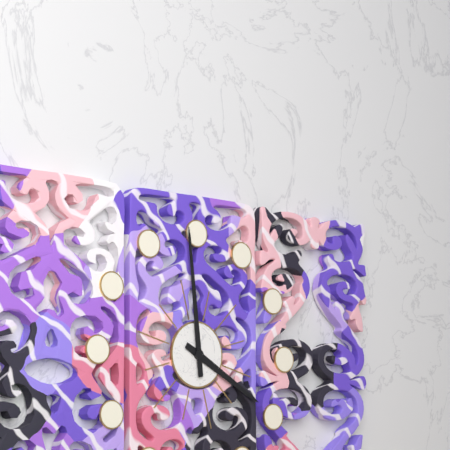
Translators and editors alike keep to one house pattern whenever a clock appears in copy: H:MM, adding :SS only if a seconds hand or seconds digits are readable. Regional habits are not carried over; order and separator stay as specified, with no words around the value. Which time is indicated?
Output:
3:59
